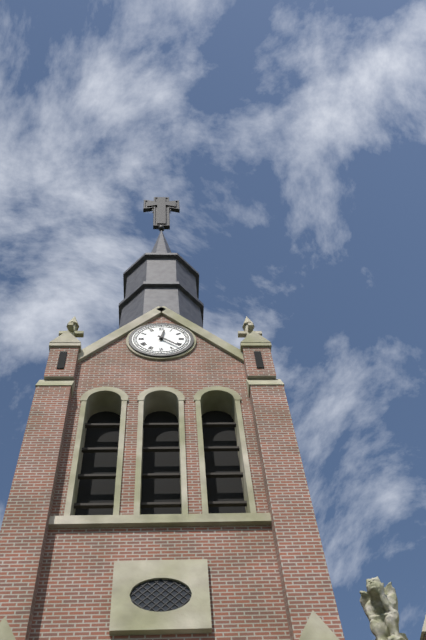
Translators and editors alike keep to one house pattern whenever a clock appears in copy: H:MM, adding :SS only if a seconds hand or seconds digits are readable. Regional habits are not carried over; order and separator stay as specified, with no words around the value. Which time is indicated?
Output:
12:22
